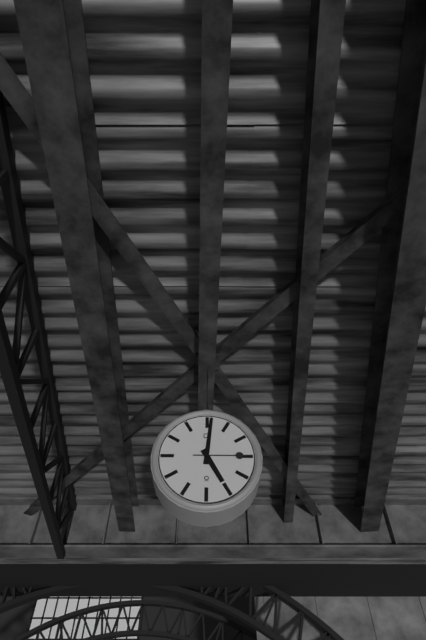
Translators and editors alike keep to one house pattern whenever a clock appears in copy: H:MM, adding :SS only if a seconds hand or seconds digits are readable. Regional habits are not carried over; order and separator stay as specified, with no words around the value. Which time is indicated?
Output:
5:01:15
